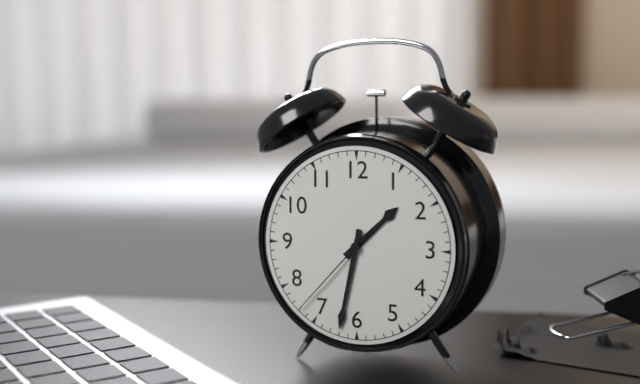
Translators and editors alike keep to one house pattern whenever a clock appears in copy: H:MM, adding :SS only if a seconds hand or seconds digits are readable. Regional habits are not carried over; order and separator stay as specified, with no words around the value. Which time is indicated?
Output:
1:32:37
